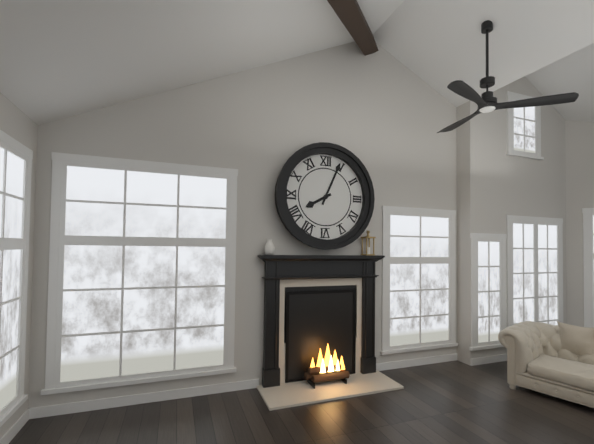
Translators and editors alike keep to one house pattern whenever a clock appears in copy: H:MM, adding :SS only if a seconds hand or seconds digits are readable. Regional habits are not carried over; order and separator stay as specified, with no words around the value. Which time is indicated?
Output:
8:04
